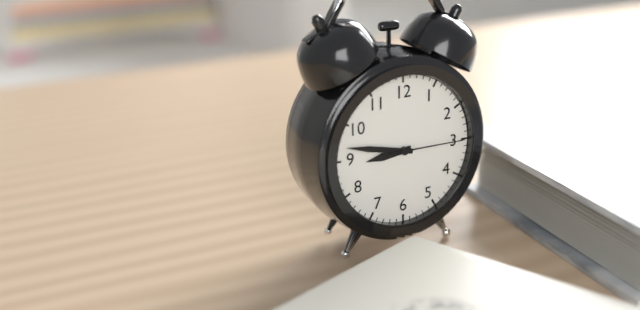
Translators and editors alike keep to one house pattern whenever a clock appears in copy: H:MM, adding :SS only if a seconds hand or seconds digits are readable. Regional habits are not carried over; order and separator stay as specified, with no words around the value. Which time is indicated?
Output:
8:47:15
